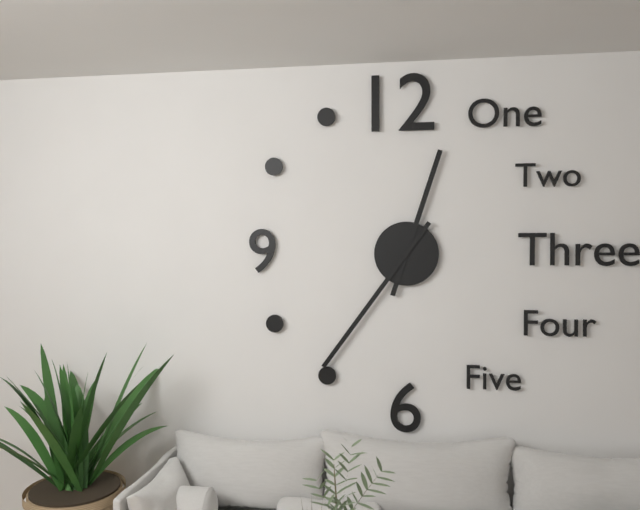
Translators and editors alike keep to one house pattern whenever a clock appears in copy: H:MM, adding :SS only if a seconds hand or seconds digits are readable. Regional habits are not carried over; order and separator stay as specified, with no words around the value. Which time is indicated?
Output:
12:36
